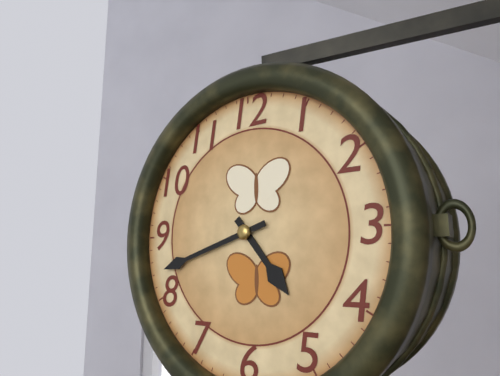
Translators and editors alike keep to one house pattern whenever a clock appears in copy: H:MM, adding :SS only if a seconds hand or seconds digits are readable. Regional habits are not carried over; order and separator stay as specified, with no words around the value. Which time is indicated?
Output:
4:42
